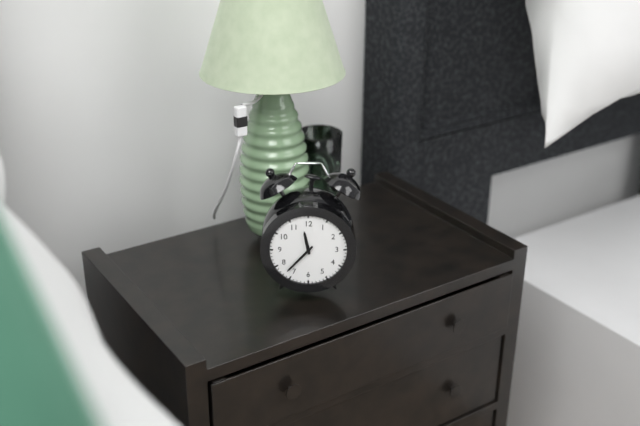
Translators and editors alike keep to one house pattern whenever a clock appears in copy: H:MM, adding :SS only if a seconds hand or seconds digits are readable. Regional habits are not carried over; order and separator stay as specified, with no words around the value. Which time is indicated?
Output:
11:37
